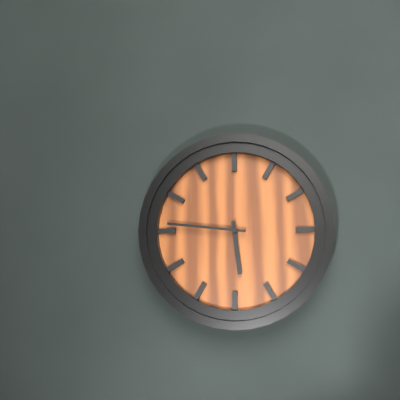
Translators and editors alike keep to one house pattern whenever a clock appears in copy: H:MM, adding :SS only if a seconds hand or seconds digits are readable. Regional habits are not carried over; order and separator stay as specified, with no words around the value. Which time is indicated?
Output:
5:46
